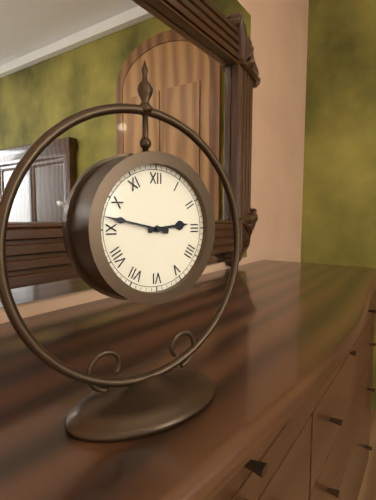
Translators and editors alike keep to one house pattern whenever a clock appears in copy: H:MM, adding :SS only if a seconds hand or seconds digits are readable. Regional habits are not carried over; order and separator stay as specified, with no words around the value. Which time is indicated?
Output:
2:47
